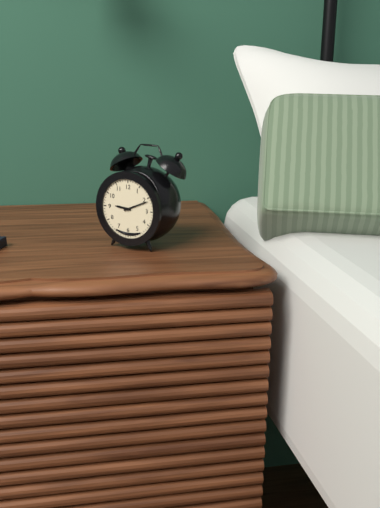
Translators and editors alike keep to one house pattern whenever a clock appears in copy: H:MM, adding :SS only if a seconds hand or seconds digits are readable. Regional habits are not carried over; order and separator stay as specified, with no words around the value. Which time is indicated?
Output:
9:11
